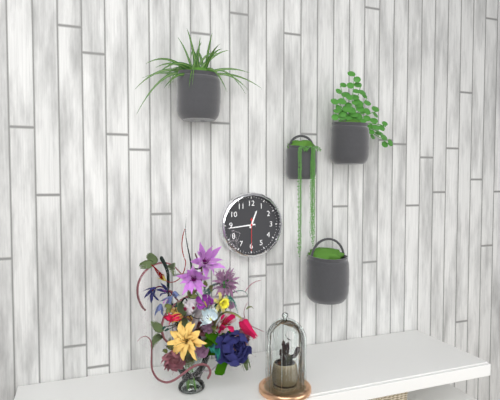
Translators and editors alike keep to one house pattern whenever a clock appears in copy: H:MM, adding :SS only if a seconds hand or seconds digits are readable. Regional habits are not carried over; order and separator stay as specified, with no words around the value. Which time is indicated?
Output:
12:44
